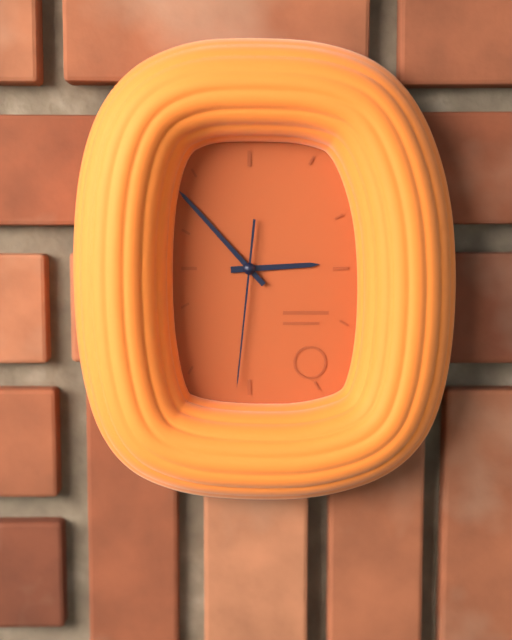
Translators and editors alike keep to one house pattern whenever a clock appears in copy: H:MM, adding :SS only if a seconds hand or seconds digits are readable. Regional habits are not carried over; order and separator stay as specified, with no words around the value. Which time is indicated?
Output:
2:53:31
